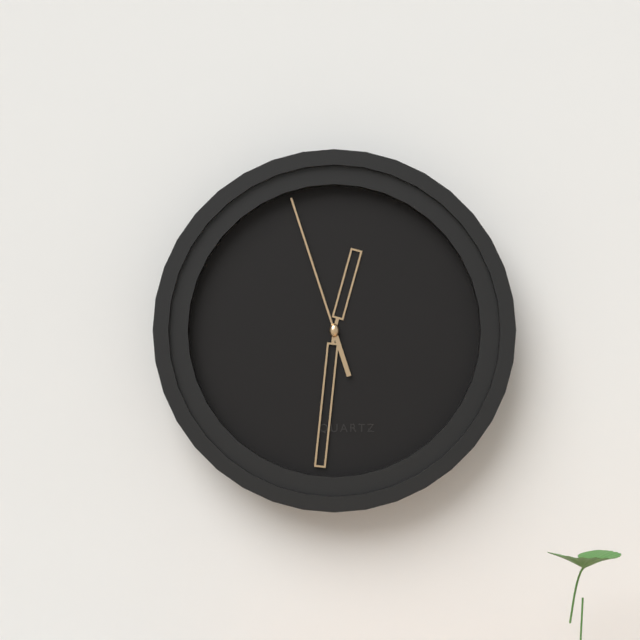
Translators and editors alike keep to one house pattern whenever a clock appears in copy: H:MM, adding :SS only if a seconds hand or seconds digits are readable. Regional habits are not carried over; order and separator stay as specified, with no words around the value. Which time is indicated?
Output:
12:31:57
